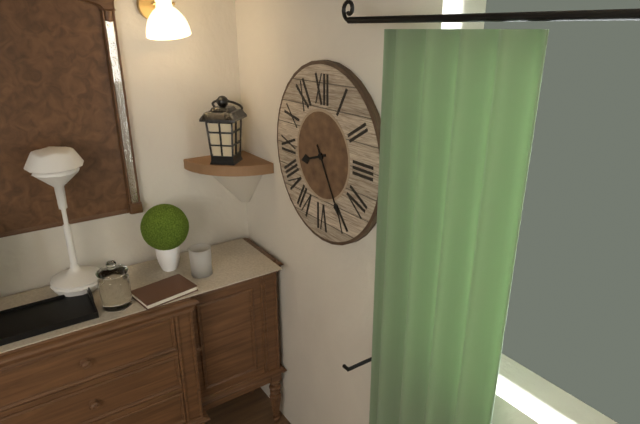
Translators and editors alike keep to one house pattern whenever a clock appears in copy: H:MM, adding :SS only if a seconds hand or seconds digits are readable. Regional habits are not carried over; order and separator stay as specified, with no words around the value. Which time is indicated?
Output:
8:25
